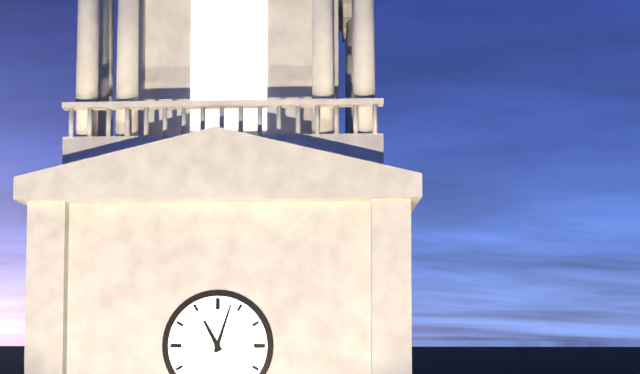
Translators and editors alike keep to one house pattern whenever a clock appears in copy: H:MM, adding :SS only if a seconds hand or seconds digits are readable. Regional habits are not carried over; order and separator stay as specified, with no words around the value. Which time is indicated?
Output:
11:03
